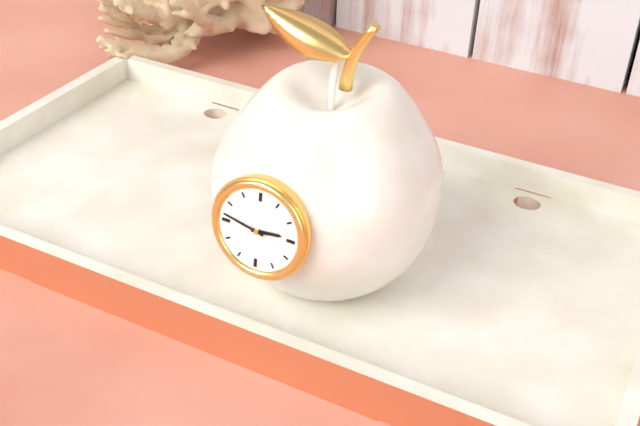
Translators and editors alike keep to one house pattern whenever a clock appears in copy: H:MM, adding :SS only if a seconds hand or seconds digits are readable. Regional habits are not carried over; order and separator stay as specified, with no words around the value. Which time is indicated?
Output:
2:47
